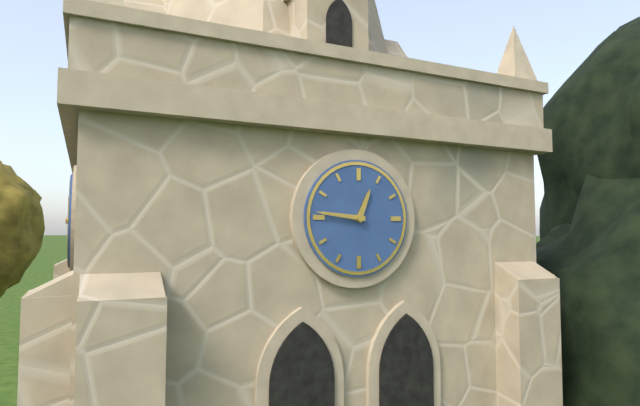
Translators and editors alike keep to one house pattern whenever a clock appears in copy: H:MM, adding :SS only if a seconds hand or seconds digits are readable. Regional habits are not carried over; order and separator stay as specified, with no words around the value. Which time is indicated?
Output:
12:46
